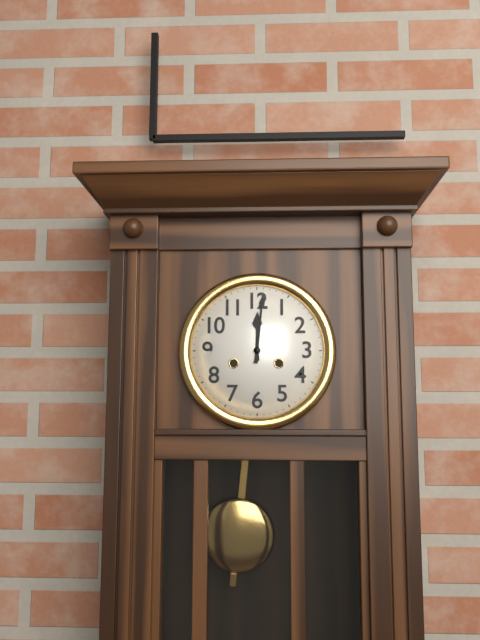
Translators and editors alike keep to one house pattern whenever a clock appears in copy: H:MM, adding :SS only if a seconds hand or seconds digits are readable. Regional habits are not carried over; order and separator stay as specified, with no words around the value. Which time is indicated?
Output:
12:01
